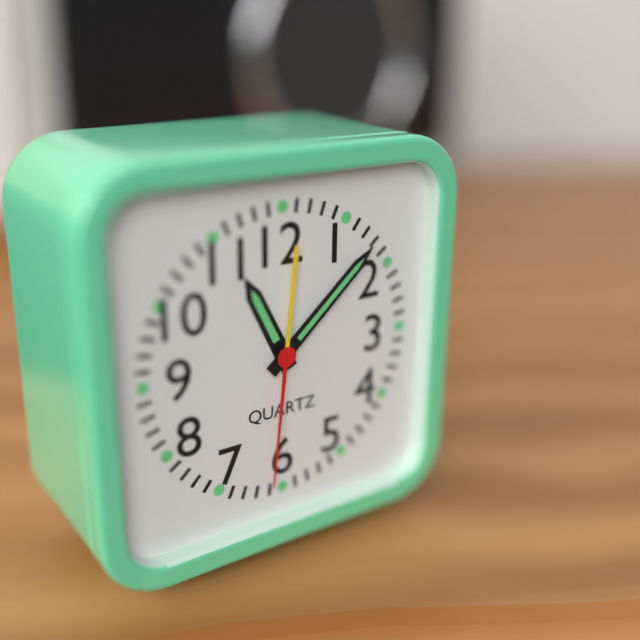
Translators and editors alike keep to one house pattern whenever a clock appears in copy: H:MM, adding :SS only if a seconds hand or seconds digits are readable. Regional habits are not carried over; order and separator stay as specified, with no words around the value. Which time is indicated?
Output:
11:08:31
